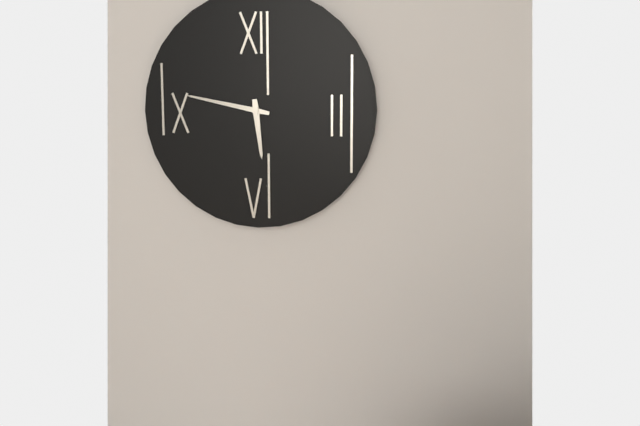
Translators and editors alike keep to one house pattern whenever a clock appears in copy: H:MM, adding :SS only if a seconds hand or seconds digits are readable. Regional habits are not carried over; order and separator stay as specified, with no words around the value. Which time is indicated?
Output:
5:47
